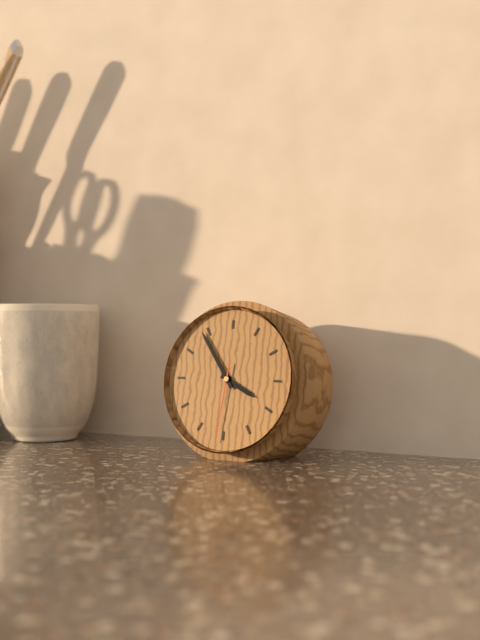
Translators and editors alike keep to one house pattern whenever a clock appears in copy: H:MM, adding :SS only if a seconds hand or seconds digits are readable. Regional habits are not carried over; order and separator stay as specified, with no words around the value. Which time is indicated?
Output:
3:54:31
